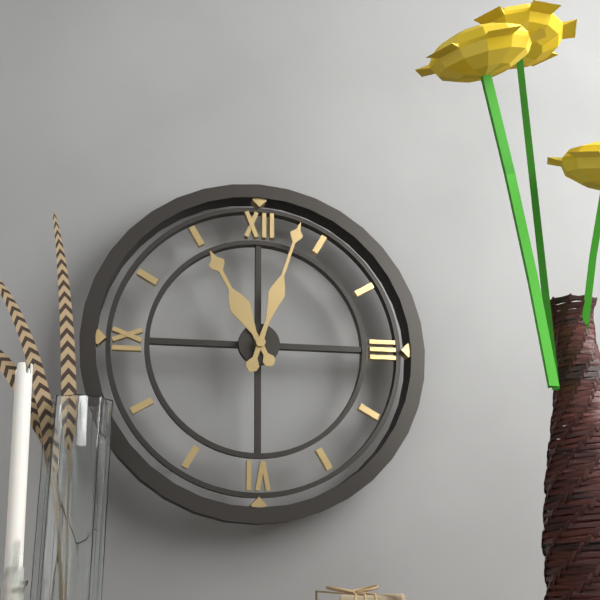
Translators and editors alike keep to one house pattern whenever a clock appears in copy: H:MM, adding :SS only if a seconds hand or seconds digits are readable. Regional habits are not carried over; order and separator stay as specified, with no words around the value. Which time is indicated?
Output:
11:03
